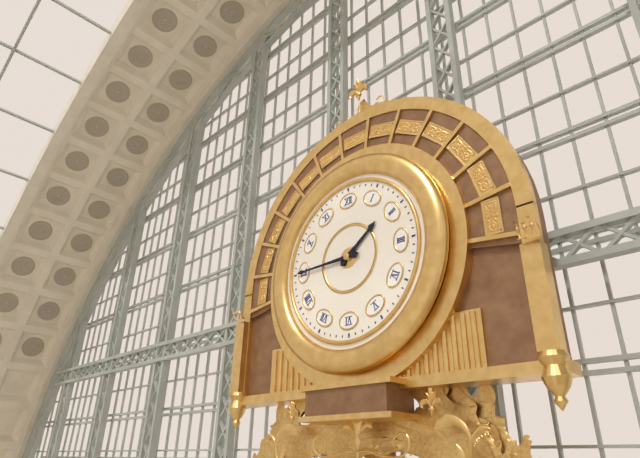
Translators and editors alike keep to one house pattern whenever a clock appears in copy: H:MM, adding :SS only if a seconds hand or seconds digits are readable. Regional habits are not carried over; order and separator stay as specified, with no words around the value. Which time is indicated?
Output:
1:45
